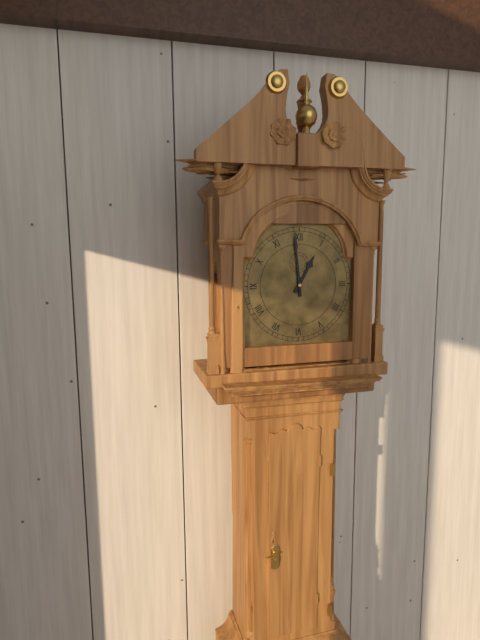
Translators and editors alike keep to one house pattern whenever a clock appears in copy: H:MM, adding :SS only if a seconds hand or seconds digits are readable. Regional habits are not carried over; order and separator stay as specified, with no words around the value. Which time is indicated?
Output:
12:59
